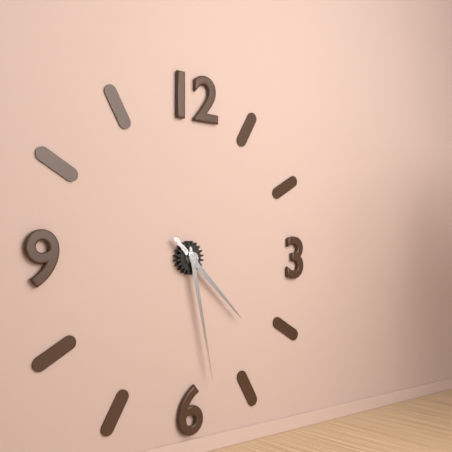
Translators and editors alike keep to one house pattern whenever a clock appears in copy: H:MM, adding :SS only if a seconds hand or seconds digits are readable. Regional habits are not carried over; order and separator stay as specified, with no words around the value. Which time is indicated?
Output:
4:28
